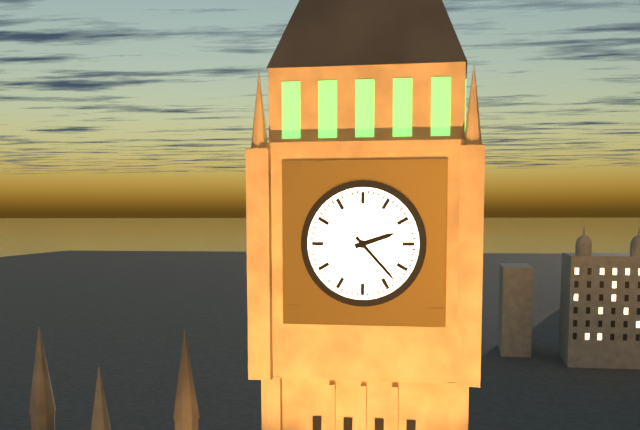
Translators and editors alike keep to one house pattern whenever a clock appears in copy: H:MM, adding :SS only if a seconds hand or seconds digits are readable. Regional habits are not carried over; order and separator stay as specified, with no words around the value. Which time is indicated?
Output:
2:23
